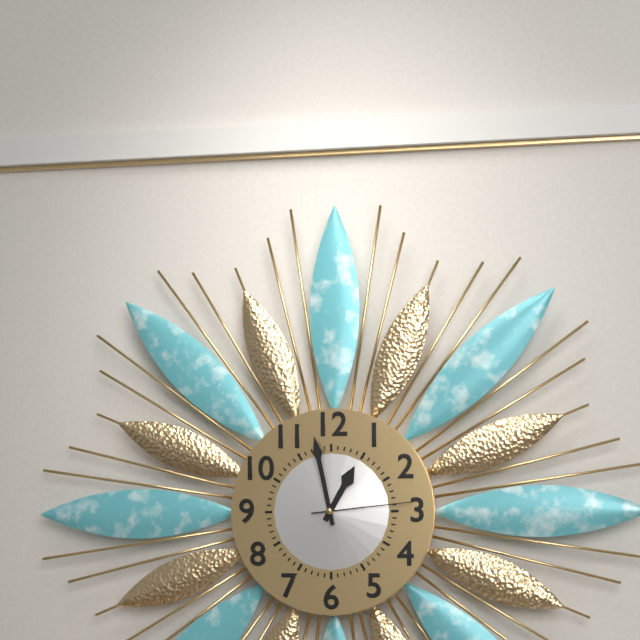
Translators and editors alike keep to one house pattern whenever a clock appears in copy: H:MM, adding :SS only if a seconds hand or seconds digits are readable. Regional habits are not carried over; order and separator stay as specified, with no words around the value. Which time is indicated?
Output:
12:58:14
